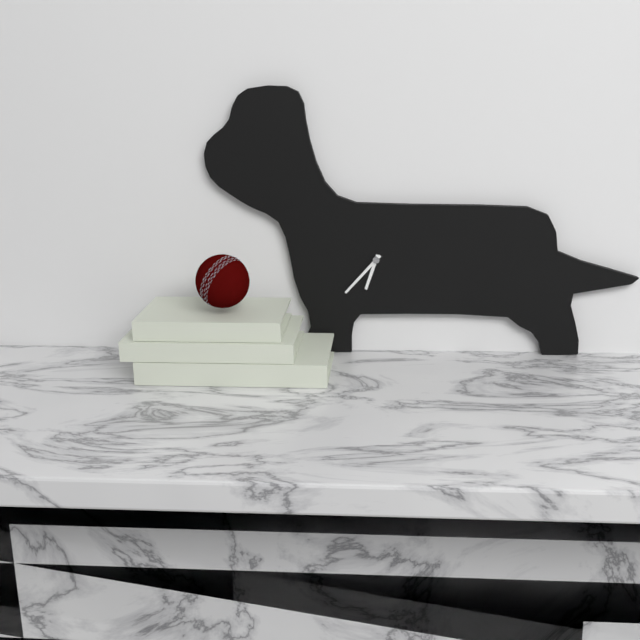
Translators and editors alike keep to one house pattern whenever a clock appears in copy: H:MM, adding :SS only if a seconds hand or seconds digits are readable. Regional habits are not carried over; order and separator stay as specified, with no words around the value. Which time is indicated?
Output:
6:37
